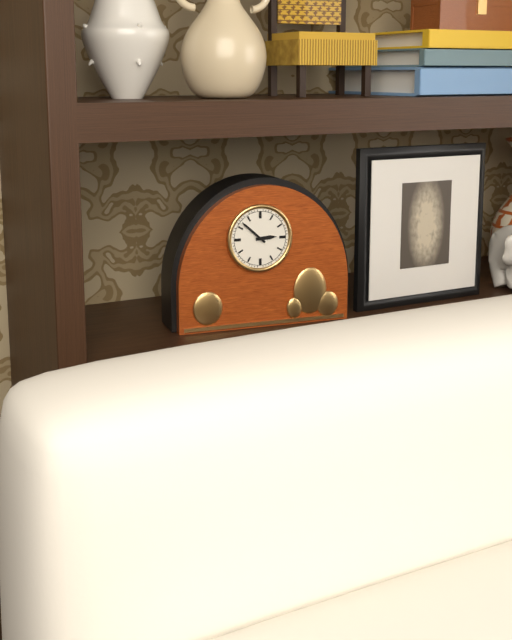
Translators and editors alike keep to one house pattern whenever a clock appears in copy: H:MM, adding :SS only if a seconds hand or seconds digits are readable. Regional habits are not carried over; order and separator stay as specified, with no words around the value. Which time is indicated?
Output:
2:52
